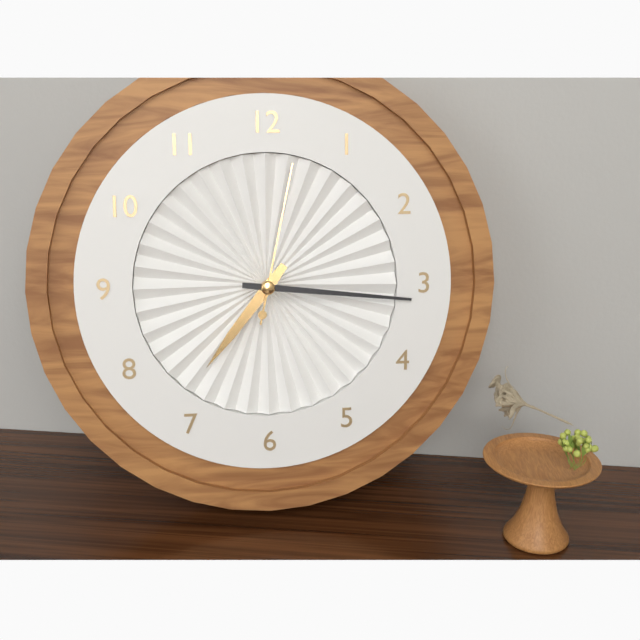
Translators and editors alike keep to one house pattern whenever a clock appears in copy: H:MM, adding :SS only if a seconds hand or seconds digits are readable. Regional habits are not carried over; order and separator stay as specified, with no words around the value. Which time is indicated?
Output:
7:16:02
